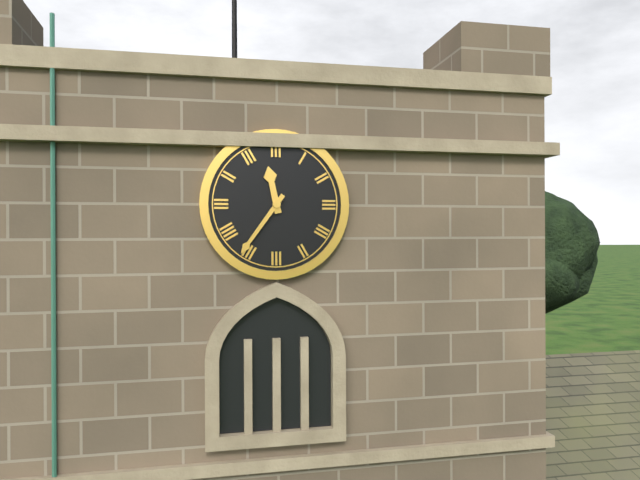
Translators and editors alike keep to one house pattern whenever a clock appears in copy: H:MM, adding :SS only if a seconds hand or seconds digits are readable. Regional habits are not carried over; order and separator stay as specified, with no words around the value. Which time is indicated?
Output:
11:36
